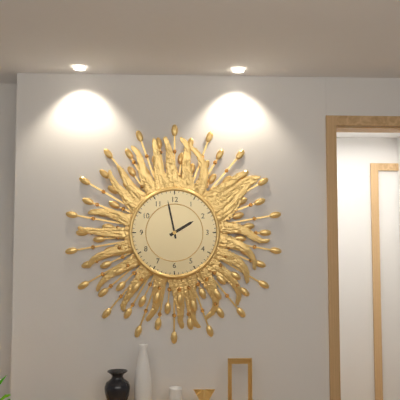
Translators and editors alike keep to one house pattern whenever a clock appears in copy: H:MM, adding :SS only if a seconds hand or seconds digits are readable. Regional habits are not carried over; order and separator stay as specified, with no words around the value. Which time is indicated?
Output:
1:58
